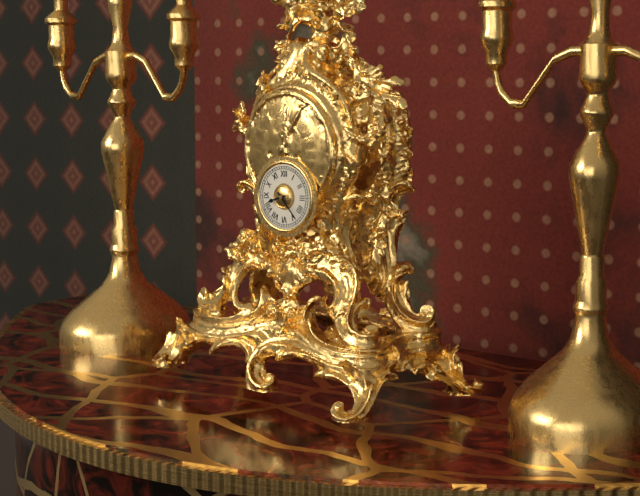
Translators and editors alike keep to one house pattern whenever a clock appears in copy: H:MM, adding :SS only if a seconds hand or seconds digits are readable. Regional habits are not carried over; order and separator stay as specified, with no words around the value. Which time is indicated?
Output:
8:23
